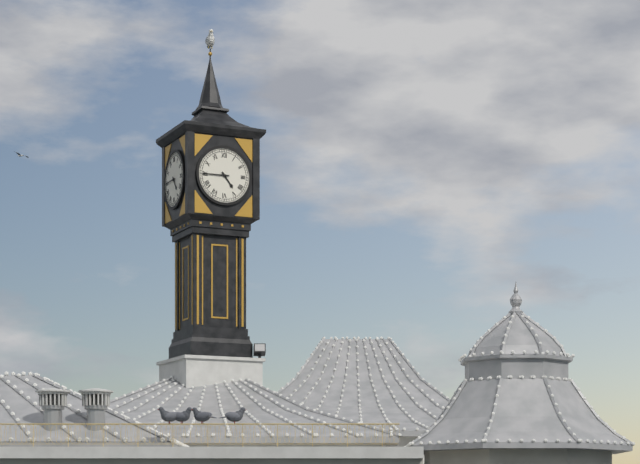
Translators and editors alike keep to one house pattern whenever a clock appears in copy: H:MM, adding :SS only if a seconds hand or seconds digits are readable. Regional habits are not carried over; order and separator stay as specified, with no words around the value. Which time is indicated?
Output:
4:45
